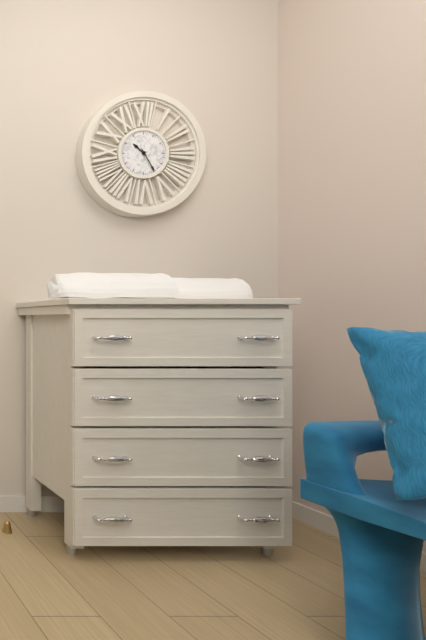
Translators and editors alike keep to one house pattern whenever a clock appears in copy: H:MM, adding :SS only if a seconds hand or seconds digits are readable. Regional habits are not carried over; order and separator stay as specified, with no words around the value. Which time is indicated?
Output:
10:25
